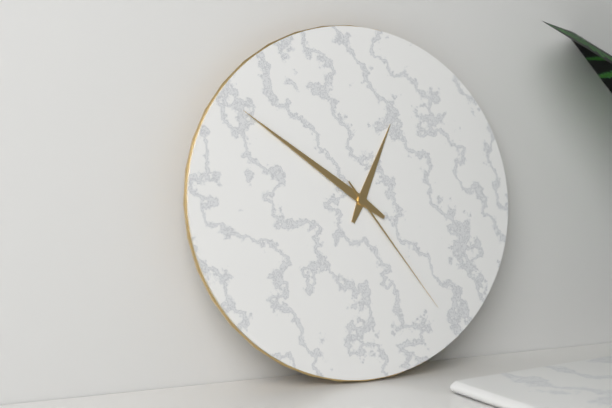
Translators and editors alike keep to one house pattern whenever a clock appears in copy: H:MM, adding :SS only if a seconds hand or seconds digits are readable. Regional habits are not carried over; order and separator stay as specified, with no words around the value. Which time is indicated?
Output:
12:51:24
